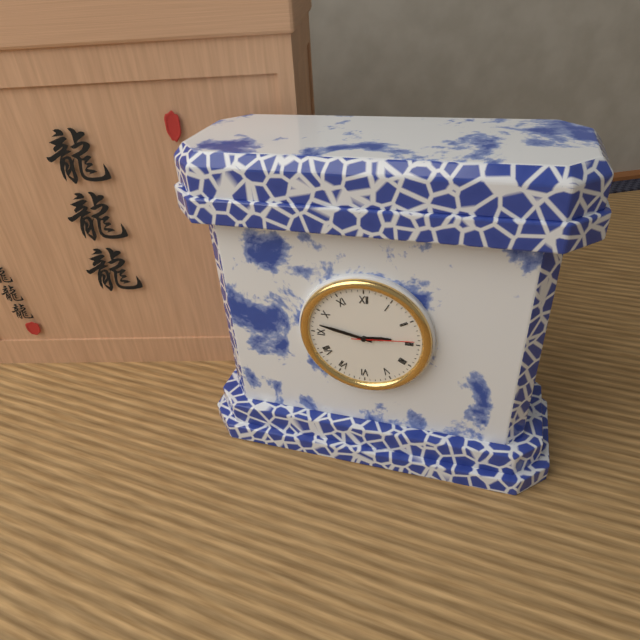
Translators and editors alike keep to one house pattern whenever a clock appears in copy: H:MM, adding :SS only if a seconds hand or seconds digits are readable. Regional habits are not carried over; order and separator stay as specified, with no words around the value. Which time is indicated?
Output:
2:47:14
